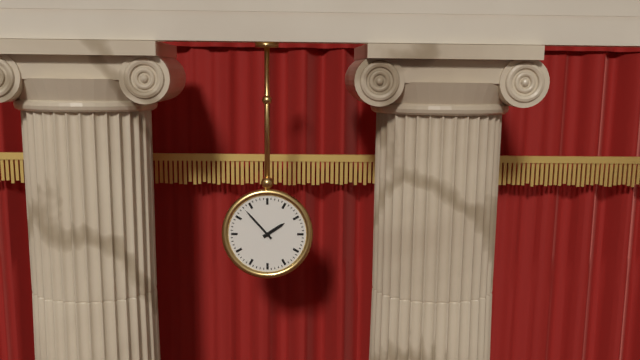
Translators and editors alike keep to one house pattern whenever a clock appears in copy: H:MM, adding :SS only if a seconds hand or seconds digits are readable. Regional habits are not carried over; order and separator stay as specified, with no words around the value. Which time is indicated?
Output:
1:53
